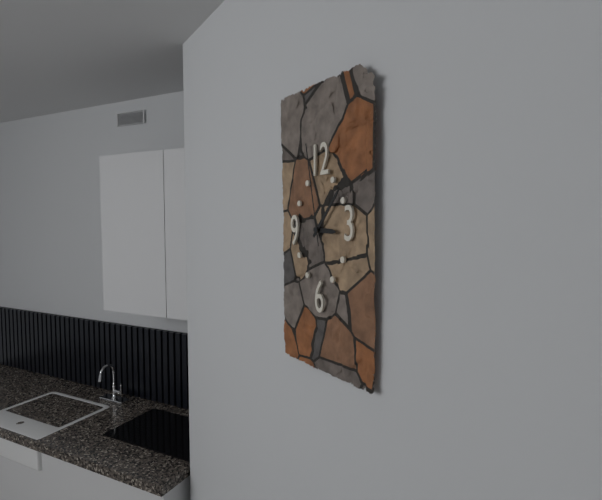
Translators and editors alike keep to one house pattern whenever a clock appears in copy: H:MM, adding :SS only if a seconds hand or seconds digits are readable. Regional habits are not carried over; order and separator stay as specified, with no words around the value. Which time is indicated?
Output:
3:07:58
